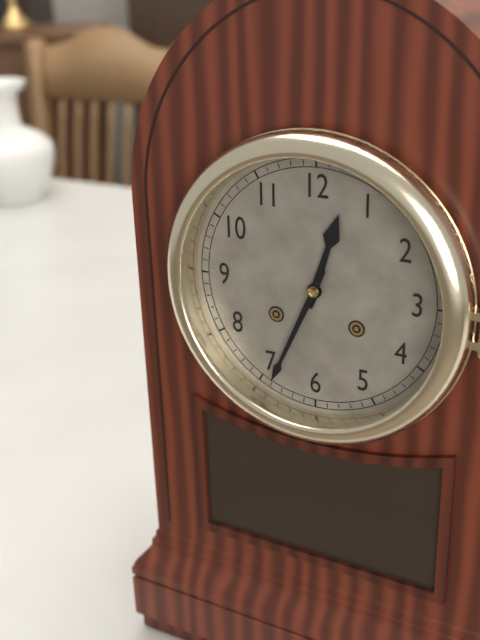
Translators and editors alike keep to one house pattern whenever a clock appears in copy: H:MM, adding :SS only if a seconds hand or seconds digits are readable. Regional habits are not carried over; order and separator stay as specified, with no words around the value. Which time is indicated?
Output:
12:34
